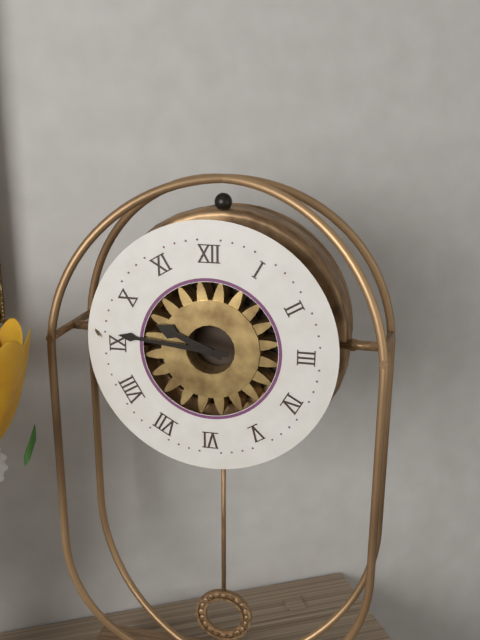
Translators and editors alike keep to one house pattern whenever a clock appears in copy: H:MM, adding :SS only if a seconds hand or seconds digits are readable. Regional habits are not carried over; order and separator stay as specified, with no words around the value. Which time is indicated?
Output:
9:46
